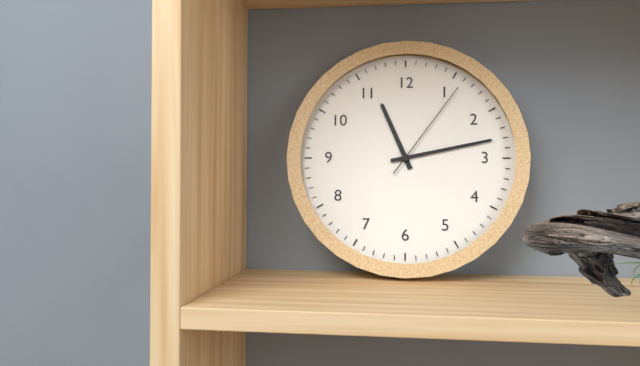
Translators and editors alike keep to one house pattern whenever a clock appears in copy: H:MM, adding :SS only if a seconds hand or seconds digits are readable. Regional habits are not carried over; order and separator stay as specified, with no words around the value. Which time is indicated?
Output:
11:13:06
